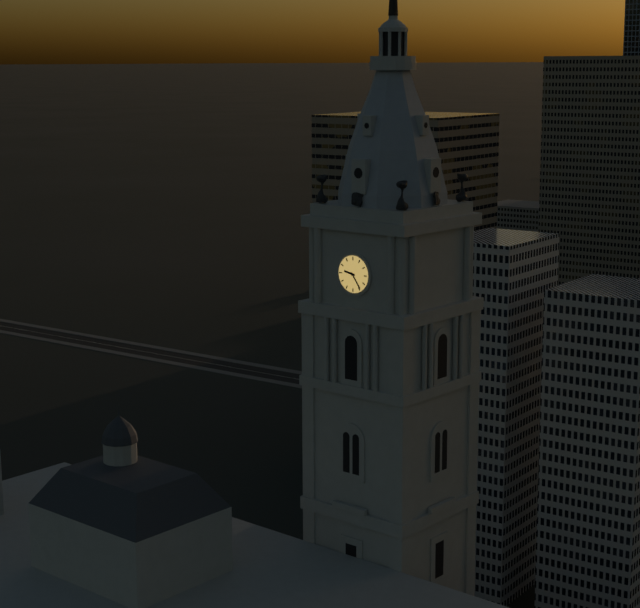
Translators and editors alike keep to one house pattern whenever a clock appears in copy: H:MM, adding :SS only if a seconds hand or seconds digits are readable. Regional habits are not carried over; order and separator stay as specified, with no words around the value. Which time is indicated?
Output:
9:24
